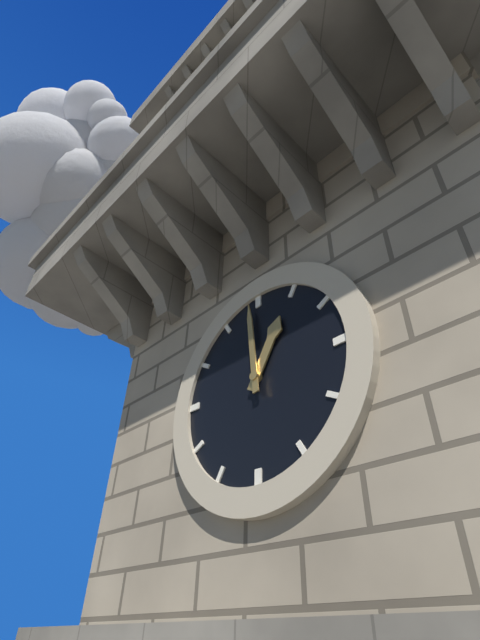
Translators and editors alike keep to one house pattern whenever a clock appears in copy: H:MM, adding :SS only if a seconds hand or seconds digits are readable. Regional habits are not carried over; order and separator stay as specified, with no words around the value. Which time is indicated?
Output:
12:59
